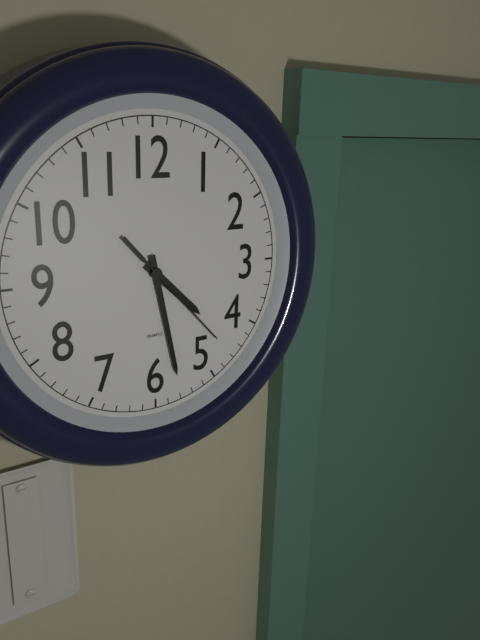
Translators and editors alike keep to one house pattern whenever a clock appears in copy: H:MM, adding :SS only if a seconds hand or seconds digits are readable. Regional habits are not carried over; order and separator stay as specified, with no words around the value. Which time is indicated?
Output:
4:28:23
